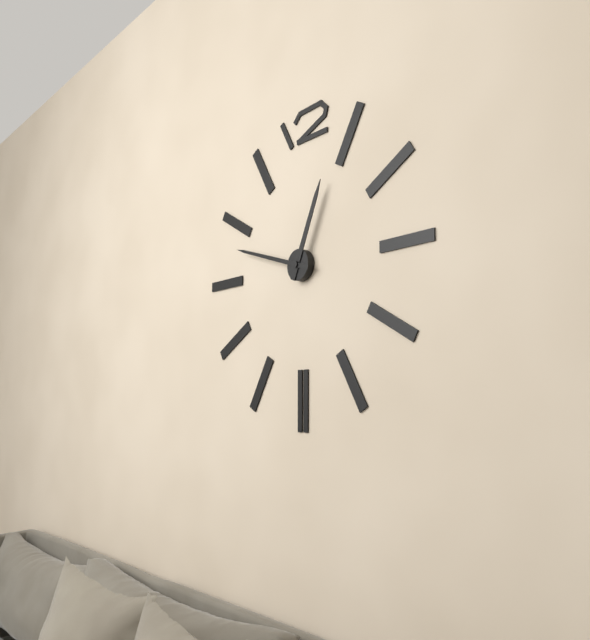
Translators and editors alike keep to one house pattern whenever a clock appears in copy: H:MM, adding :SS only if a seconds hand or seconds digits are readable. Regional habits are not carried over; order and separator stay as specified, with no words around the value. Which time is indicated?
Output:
12:48
